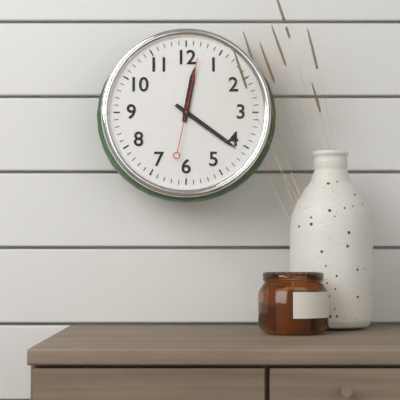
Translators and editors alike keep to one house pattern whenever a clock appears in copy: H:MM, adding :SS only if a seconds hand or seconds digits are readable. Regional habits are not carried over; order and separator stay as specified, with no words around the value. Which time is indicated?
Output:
12:21:02
